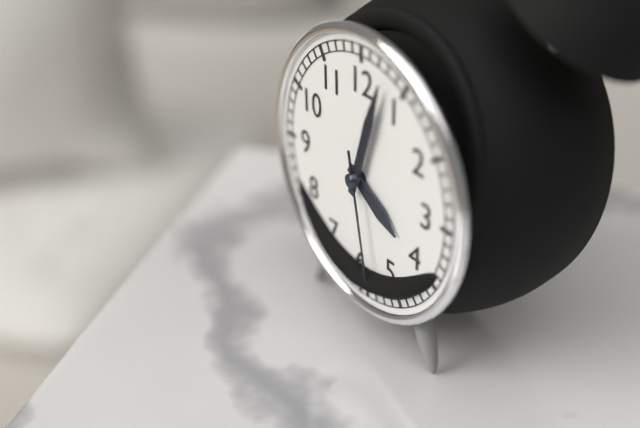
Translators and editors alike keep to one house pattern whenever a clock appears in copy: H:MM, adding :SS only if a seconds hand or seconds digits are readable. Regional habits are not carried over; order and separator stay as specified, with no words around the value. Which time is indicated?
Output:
4:03:28
